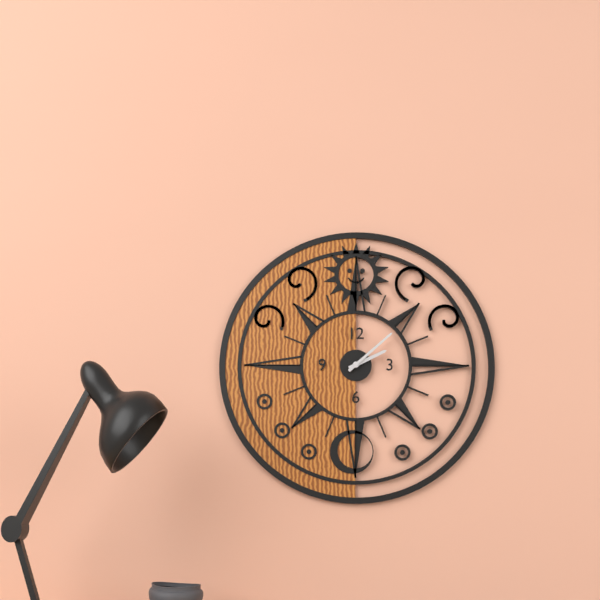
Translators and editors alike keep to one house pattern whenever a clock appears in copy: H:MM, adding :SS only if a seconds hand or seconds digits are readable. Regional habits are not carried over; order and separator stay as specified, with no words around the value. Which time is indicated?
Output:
2:08
